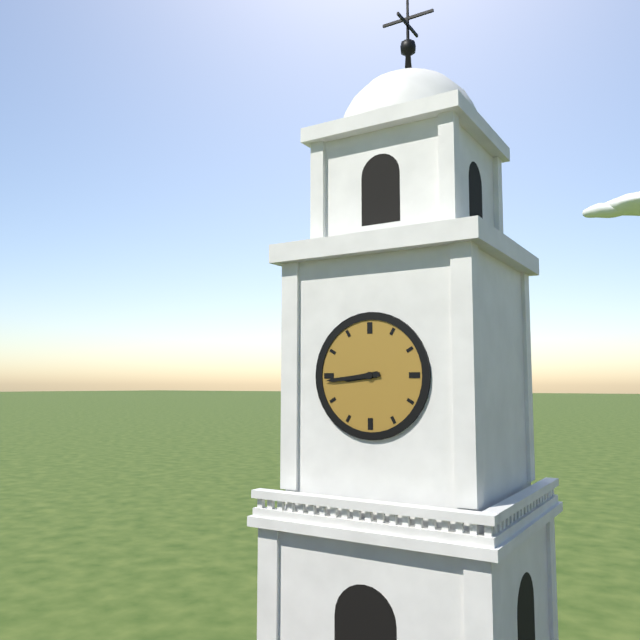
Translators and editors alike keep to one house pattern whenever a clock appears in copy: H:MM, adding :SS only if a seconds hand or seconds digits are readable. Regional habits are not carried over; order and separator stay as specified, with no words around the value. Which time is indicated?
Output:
8:44
